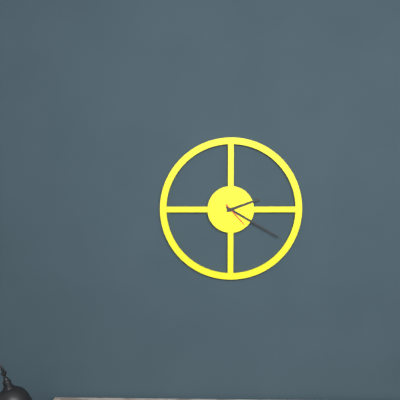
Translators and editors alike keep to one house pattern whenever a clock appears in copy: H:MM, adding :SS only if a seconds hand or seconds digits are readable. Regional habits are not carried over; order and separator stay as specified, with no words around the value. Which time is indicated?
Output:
2:20
